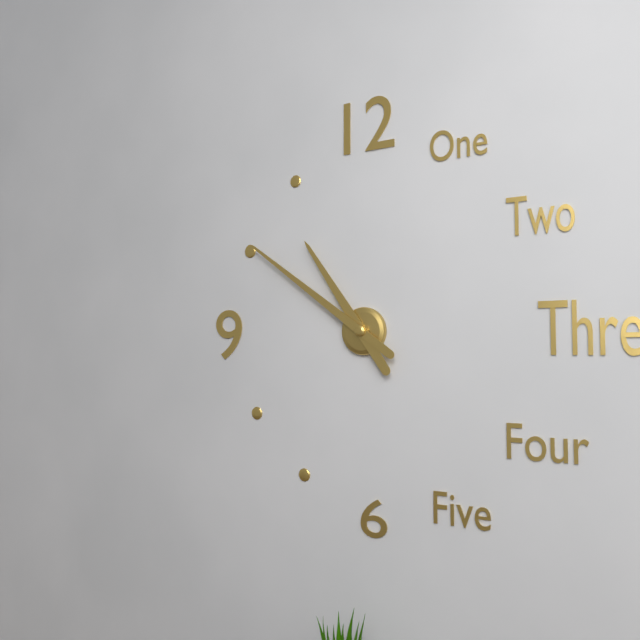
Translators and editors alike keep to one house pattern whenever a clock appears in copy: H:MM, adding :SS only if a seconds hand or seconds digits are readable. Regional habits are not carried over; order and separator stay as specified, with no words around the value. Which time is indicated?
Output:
10:51
